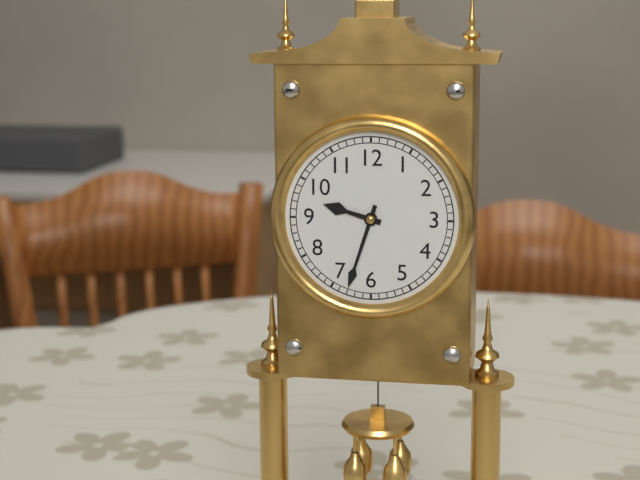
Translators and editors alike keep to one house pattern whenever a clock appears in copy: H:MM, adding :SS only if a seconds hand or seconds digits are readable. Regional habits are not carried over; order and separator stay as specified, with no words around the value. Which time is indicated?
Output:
9:33
